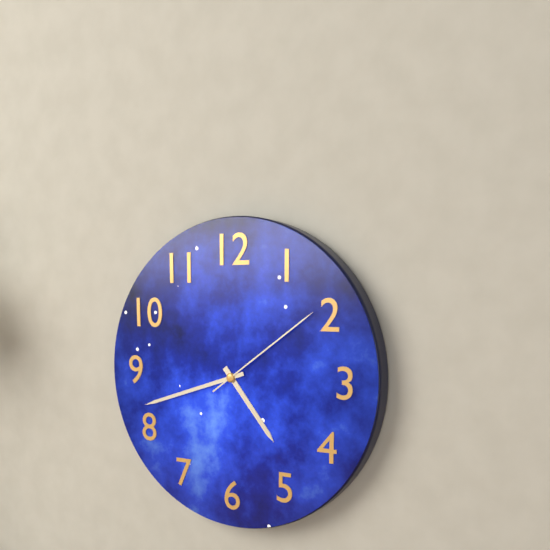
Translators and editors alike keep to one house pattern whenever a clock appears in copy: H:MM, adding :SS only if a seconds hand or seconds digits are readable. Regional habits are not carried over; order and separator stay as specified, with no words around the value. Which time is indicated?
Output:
4:42:09
